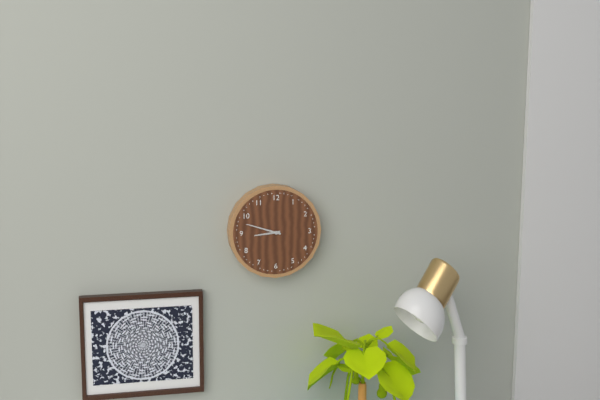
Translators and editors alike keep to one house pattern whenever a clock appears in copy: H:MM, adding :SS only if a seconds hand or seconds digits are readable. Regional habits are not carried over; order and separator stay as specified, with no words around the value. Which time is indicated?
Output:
8:48
